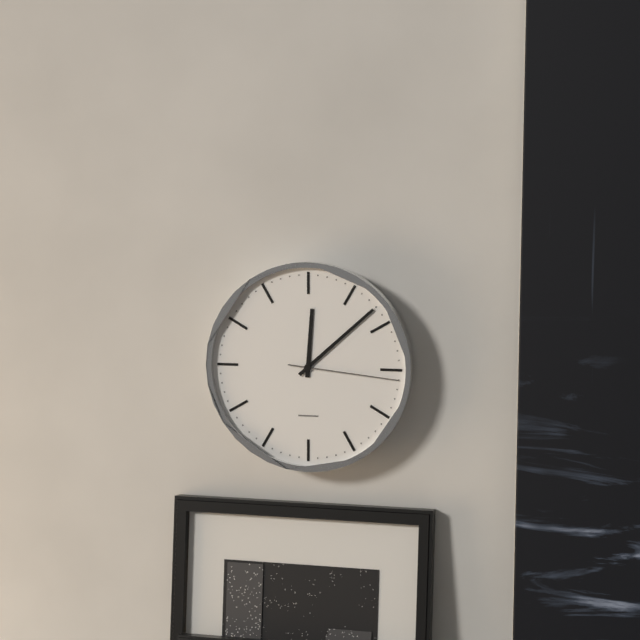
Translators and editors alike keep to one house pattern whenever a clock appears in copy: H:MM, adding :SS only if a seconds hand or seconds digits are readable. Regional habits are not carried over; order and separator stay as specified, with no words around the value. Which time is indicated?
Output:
12:08:16
